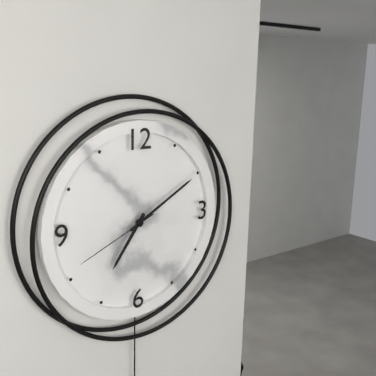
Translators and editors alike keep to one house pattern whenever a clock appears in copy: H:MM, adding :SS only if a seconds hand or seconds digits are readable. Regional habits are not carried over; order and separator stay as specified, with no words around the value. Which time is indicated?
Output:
7:10:41
